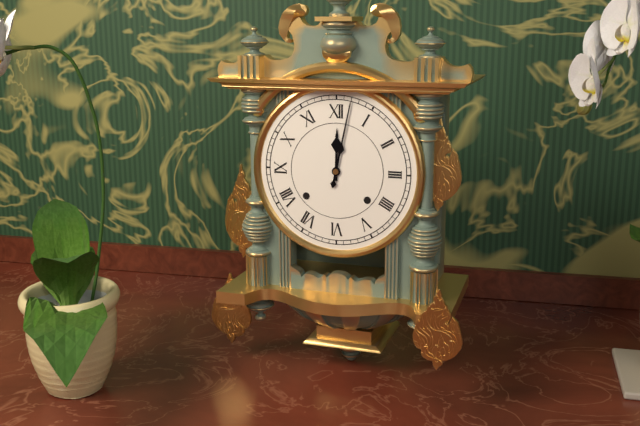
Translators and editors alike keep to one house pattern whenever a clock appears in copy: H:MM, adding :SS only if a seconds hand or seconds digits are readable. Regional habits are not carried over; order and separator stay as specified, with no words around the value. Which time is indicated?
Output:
12:02
